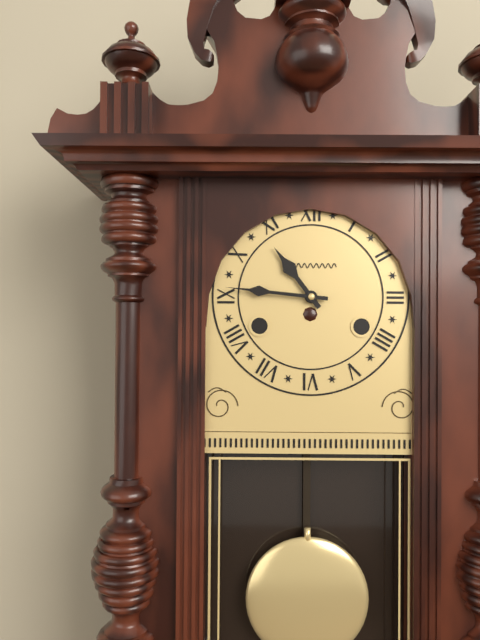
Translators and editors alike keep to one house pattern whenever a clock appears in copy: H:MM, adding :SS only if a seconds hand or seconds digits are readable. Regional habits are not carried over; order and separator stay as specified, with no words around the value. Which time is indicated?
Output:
10:46
